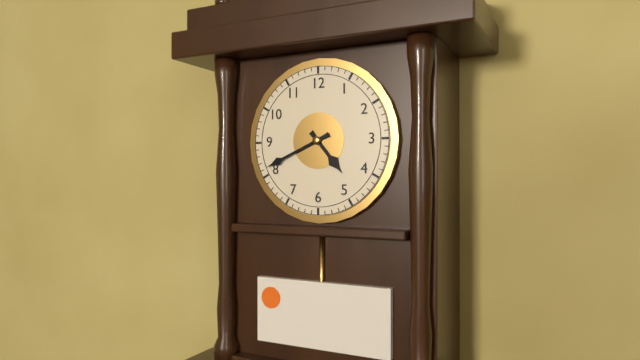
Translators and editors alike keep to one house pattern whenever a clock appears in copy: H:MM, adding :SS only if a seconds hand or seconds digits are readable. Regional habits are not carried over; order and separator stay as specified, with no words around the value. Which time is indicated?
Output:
4:41
